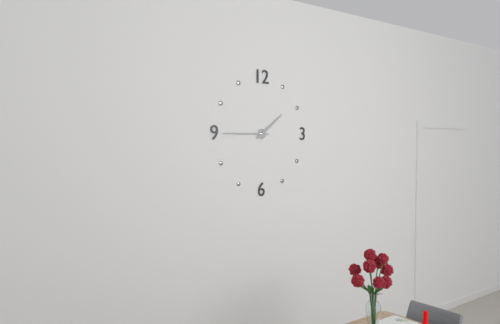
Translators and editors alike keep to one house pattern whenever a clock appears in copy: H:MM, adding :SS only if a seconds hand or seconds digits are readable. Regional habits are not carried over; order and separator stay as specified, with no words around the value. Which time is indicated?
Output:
1:45
